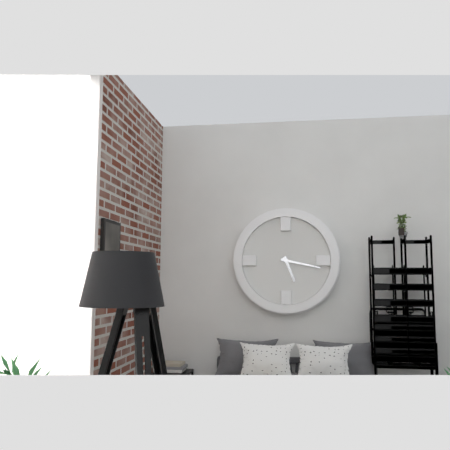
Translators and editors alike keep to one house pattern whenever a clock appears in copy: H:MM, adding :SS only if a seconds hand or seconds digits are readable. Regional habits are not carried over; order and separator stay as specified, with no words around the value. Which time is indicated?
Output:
5:17
